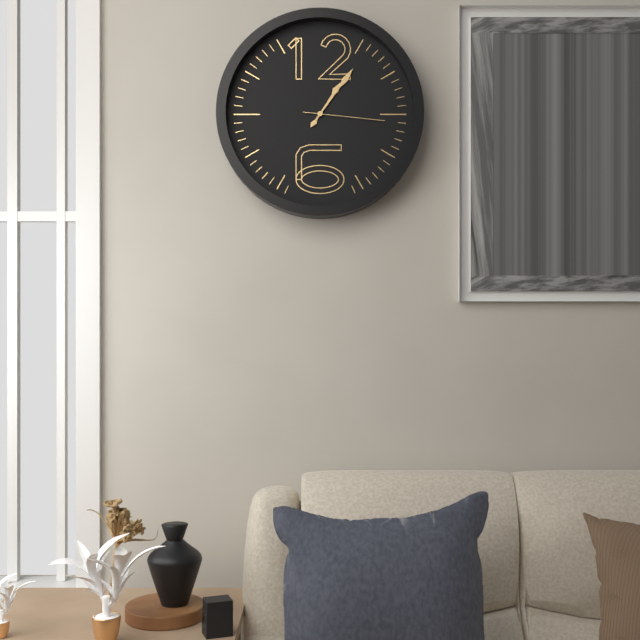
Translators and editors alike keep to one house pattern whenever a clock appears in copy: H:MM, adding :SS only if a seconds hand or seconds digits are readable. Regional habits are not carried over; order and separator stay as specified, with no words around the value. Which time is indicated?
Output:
1:06:16
